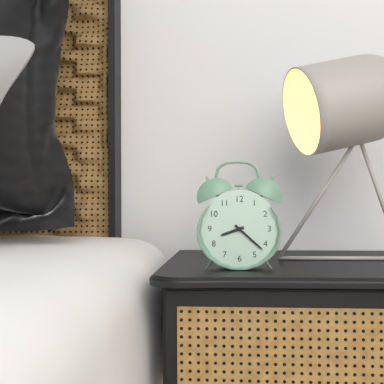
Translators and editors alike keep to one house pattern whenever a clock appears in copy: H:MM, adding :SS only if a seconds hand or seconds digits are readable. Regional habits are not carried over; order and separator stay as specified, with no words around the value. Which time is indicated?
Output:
8:22
